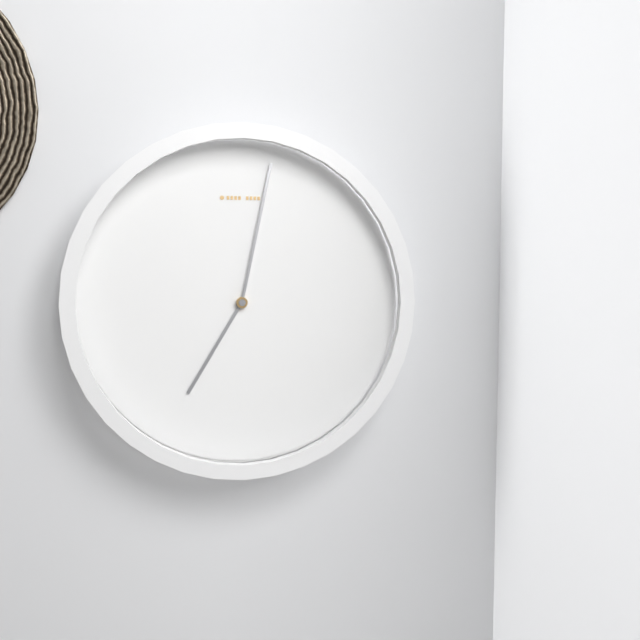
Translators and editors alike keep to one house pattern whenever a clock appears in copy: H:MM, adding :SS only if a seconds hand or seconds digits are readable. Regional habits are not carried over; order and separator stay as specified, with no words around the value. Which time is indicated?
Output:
7:02
